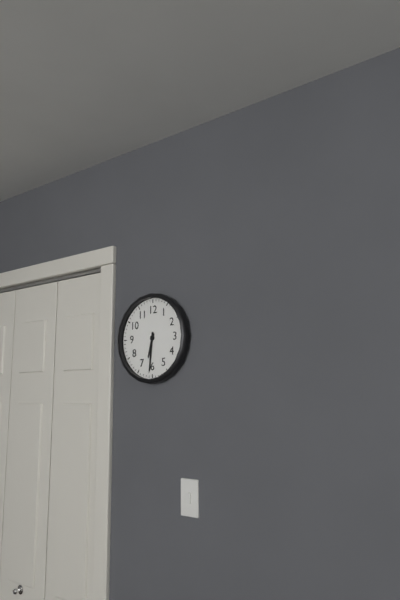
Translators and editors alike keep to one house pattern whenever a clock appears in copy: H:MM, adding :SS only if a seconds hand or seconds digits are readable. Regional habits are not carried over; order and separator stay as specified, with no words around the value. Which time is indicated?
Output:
6:31
